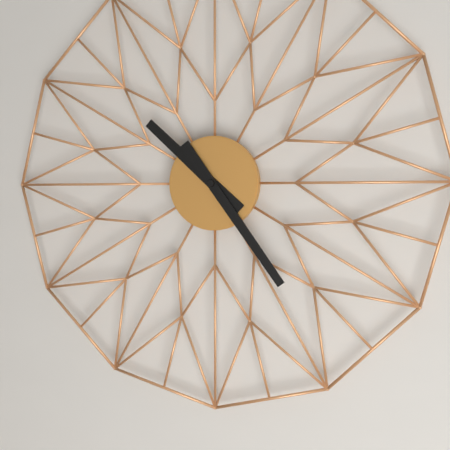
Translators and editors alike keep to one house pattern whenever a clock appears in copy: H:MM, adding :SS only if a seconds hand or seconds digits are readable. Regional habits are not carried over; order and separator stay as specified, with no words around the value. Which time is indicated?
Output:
10:24
